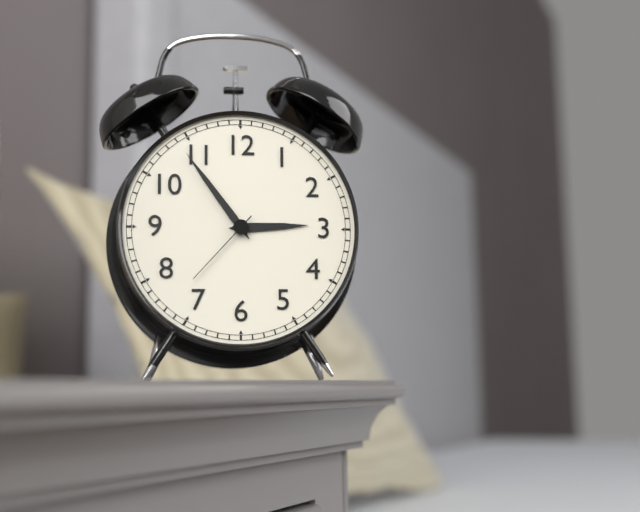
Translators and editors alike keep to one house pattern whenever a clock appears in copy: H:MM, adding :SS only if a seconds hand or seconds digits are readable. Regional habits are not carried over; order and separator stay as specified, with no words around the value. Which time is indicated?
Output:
2:54:37
